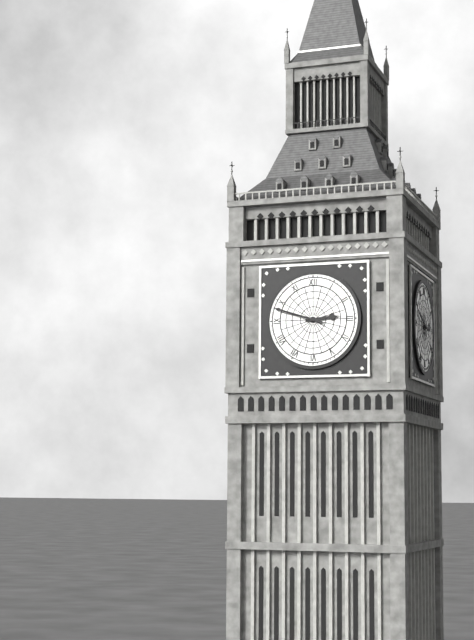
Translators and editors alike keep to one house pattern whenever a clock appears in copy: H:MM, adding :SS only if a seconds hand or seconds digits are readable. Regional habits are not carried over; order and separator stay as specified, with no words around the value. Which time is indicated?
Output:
2:48
